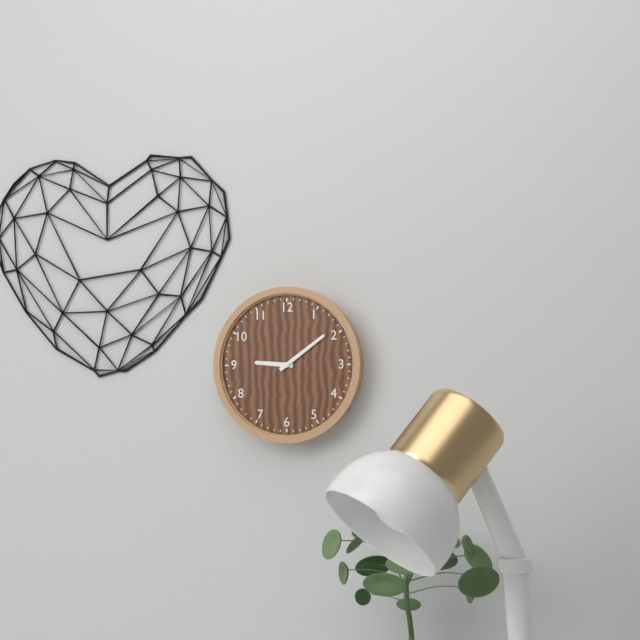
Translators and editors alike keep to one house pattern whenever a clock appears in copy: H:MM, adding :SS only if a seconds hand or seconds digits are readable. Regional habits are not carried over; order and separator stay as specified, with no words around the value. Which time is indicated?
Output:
9:09
